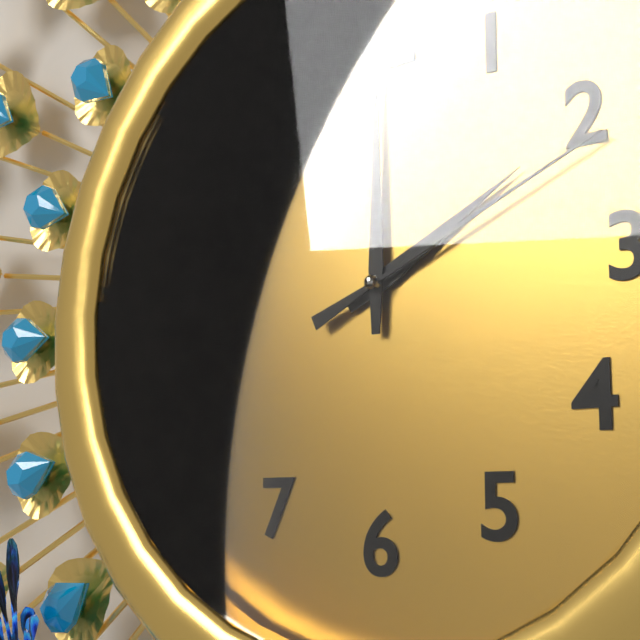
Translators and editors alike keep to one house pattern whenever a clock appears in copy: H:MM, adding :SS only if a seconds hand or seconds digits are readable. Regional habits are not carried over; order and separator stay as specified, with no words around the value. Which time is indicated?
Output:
2:00:11
